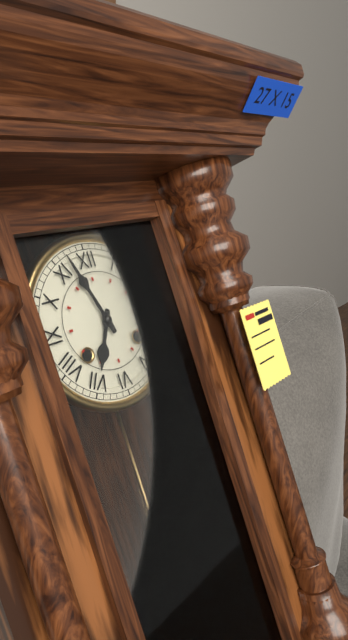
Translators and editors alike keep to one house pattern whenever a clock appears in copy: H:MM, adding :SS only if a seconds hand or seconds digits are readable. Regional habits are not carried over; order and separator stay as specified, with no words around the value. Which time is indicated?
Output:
6:57
